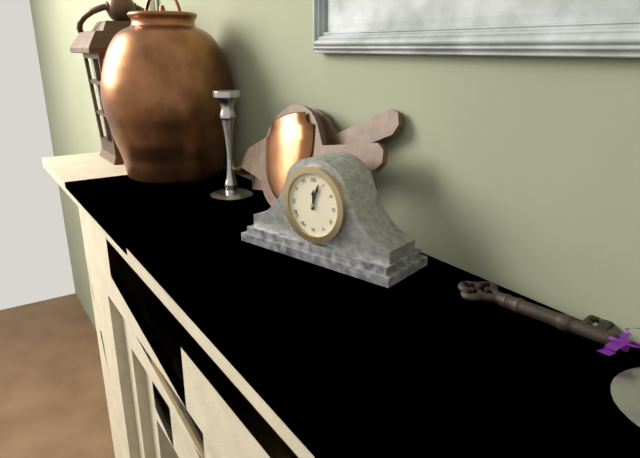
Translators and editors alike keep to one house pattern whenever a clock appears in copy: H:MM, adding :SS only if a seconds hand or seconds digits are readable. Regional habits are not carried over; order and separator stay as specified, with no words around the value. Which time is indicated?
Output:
12:03
